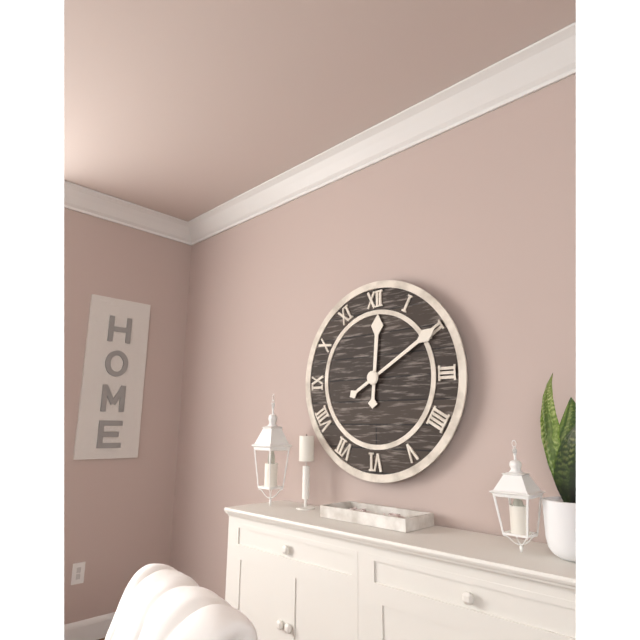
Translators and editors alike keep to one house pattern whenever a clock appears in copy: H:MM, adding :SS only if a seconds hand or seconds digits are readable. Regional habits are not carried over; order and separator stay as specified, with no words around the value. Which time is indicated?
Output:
12:10
